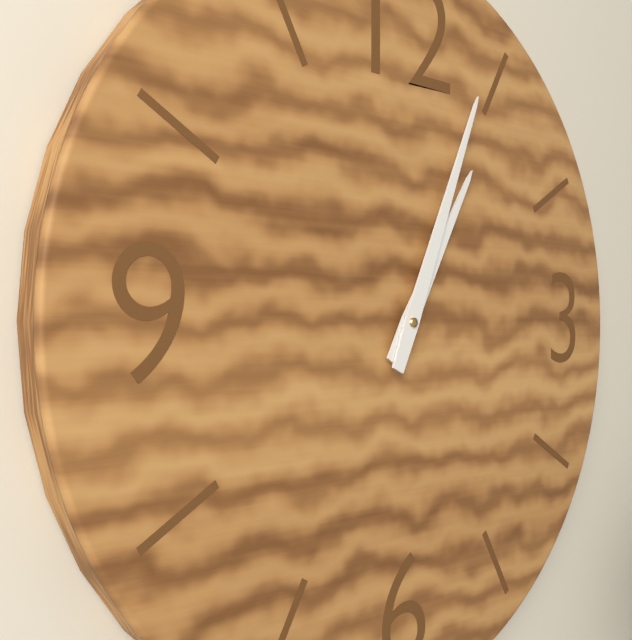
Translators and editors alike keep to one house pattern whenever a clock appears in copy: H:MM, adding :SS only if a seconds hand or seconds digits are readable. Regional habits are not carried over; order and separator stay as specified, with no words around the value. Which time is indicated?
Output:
1:04
